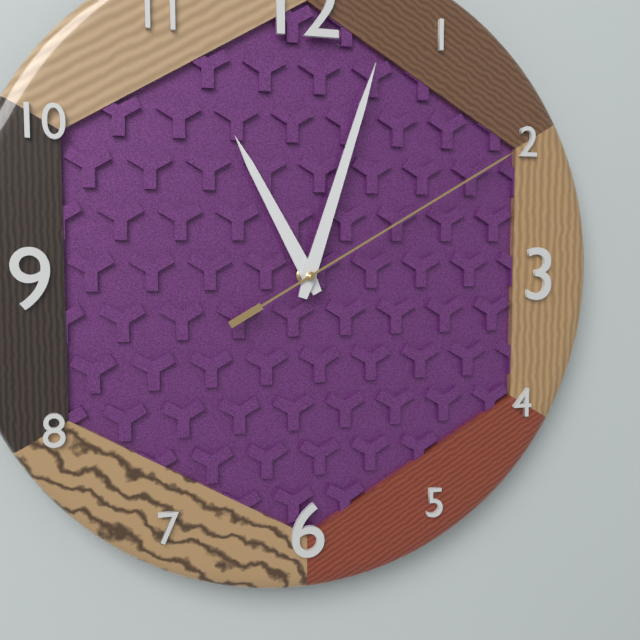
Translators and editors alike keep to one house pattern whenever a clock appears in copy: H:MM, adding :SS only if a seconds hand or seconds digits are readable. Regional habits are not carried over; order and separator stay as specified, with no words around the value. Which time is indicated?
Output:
11:03:10
